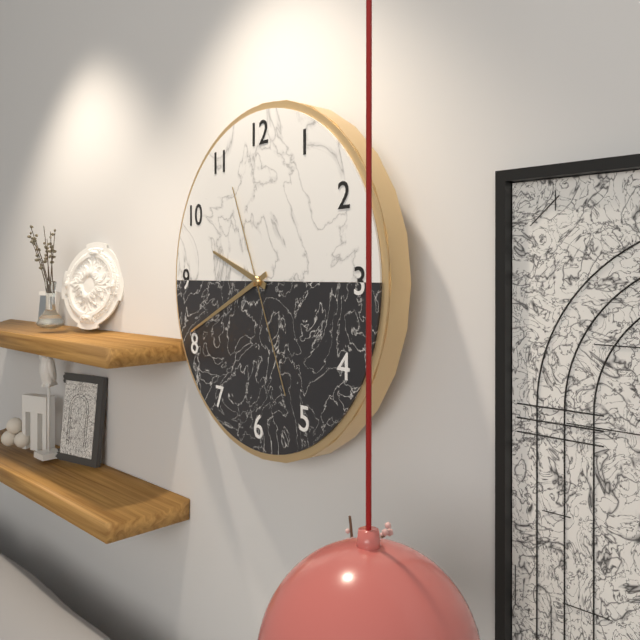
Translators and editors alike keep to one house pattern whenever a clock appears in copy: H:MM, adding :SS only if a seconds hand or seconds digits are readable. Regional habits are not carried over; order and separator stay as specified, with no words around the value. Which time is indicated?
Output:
9:41:26
